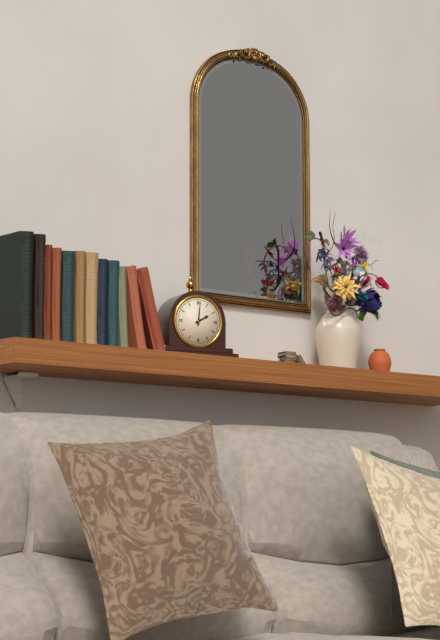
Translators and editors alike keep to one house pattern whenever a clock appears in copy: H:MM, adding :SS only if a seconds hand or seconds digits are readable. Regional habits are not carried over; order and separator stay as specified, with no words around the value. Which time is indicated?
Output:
2:01
